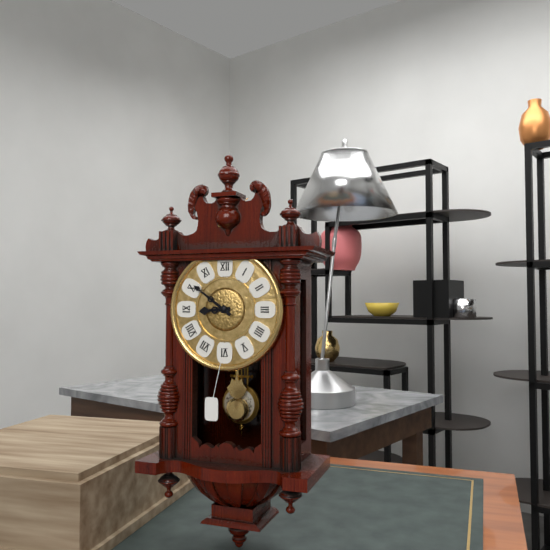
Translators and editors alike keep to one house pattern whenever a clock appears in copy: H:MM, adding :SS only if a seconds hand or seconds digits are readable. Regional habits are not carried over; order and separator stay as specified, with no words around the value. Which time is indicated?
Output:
8:51
